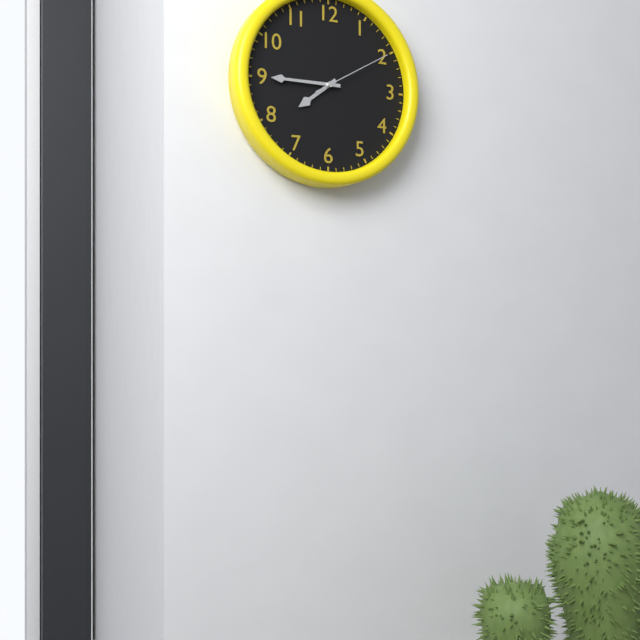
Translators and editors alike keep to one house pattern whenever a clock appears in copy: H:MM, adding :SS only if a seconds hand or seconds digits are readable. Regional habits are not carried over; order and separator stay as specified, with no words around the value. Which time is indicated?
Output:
7:45:10
